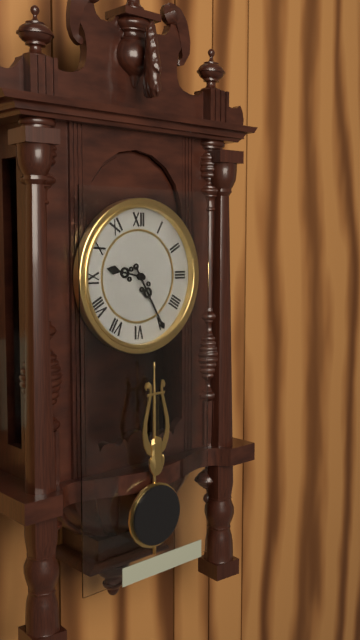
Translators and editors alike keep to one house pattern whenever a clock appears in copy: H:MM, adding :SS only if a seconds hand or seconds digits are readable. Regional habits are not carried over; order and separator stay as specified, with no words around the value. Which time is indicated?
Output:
9:25
